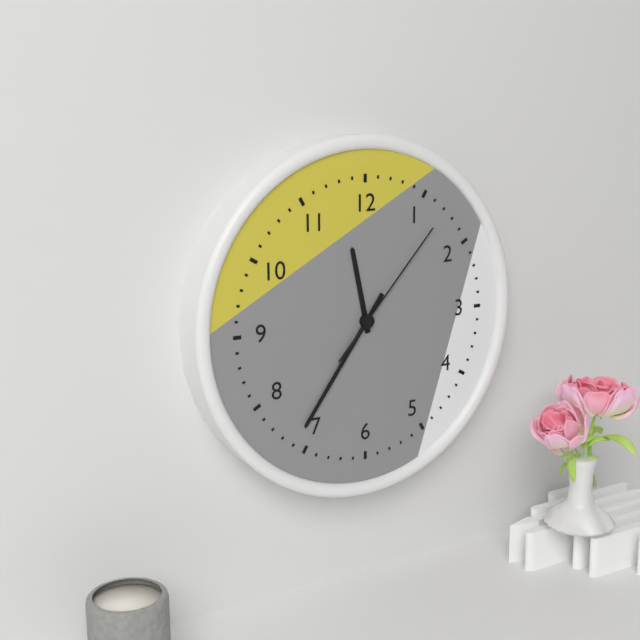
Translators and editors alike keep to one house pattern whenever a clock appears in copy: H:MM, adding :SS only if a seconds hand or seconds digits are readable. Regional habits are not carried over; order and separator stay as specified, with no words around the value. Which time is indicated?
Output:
11:36:07
